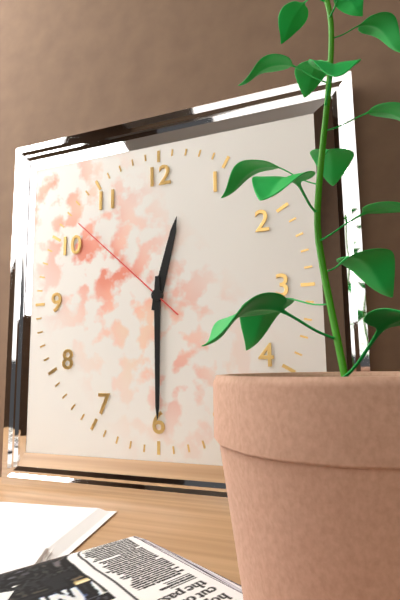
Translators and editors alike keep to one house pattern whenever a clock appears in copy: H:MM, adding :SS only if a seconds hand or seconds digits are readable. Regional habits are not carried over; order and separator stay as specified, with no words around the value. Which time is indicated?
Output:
12:30:52
